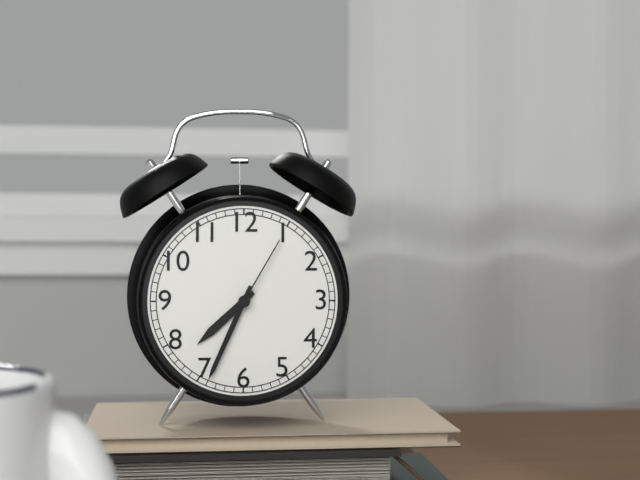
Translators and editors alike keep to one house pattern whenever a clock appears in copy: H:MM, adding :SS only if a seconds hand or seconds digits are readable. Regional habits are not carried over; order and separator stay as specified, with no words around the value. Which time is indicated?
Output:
7:34:05
